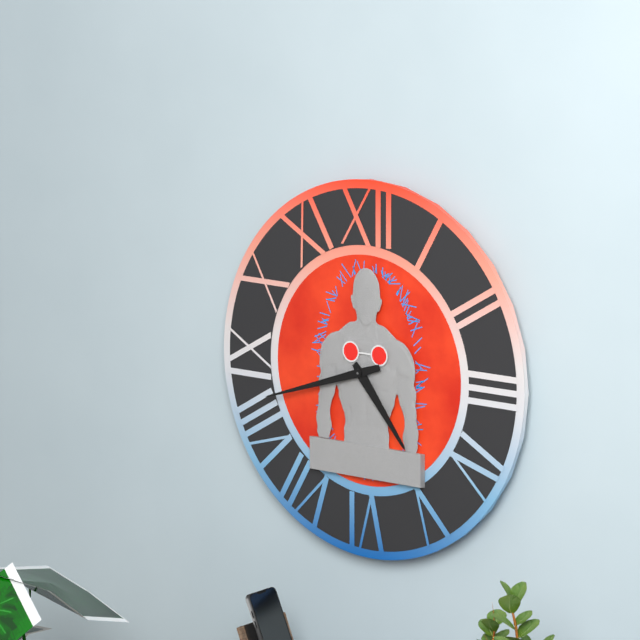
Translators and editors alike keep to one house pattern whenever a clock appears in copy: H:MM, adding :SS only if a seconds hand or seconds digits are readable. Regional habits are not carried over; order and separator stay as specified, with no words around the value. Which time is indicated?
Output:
4:42
